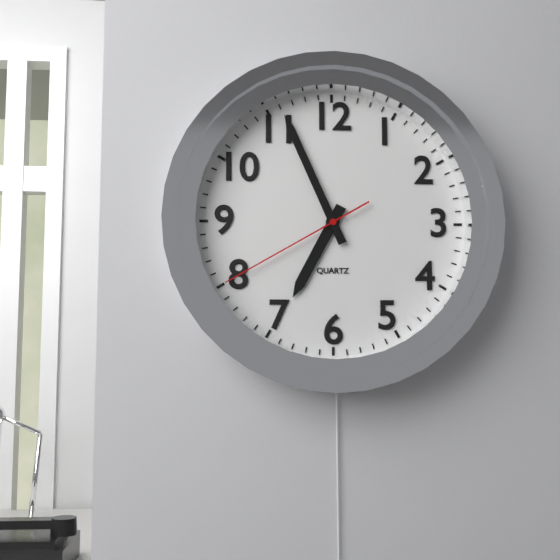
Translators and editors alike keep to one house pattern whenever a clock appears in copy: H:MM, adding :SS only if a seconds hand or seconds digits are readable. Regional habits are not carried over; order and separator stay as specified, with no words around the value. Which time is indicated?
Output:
6:56:40
